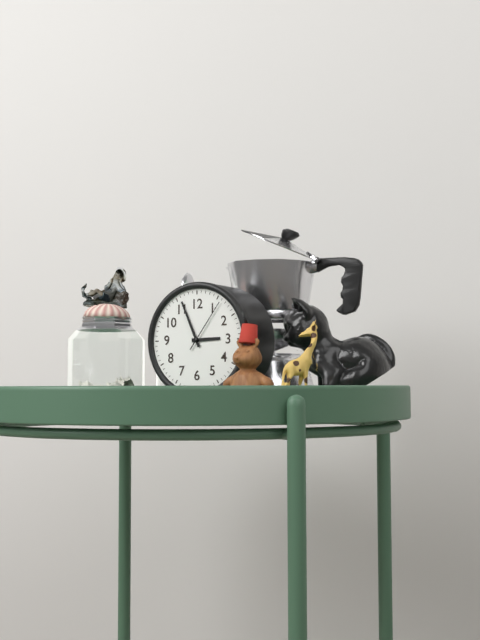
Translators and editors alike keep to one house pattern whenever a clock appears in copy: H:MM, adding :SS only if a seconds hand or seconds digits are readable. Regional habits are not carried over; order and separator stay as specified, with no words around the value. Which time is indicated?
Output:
2:56:06
